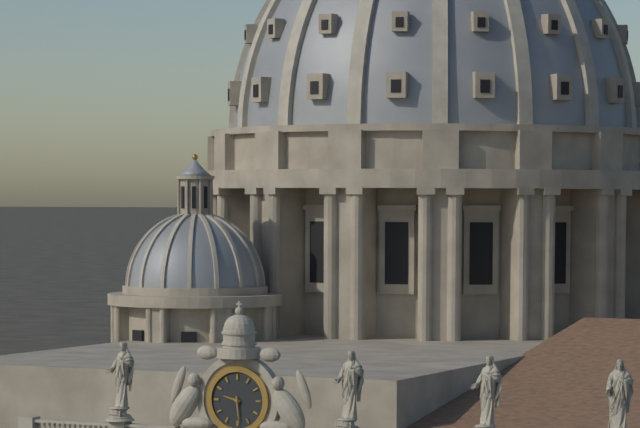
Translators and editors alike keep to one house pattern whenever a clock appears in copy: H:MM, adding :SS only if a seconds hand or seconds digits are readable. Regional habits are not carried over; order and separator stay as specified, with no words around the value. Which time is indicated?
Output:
9:29
